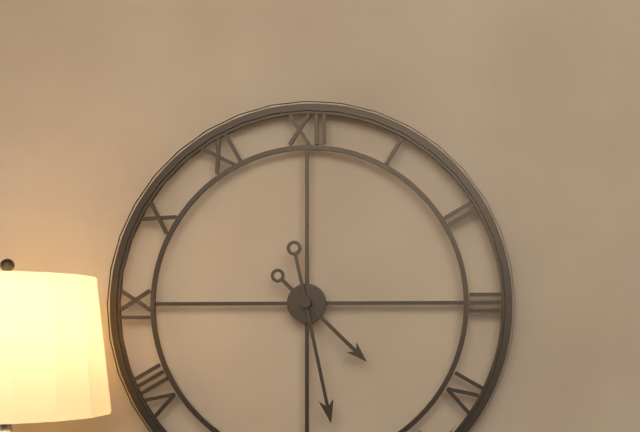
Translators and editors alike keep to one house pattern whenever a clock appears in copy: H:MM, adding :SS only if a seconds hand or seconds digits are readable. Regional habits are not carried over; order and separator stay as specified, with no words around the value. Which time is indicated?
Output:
4:28
